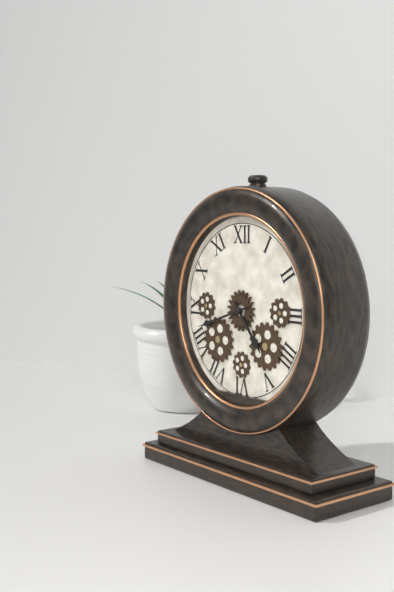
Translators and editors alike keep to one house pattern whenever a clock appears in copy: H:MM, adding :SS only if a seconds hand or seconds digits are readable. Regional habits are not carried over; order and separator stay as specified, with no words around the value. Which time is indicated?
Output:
4:42
